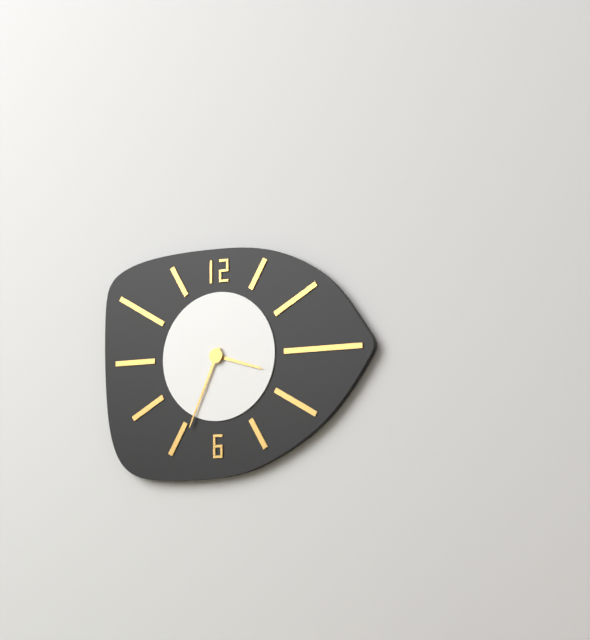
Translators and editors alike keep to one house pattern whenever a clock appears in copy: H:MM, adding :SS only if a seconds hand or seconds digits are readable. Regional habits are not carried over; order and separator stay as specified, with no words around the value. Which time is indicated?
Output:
3:34
